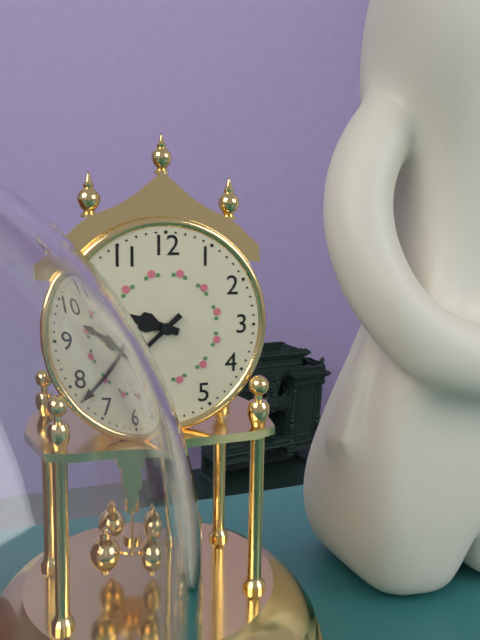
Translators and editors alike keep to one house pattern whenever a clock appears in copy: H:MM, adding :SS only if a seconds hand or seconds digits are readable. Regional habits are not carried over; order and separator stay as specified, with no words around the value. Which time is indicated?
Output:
9:38
